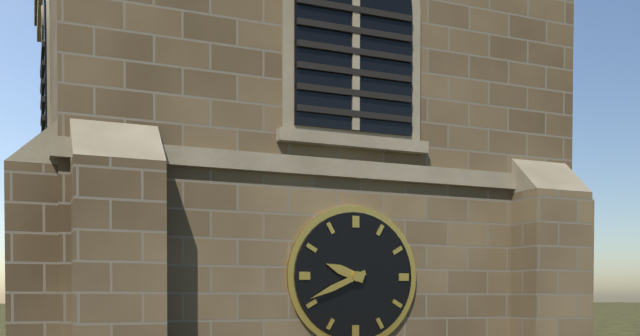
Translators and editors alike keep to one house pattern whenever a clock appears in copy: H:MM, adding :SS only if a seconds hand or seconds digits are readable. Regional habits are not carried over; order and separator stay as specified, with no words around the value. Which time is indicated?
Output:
9:41
